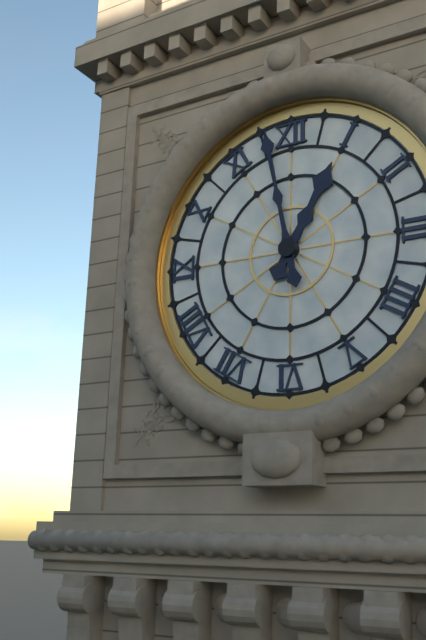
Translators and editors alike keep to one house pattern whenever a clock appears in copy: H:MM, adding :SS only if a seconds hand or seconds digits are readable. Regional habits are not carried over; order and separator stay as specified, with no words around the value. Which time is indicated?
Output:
12:58
